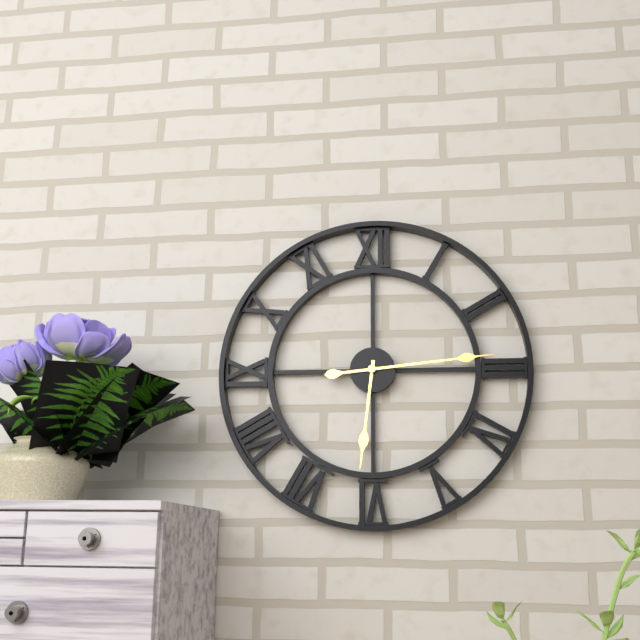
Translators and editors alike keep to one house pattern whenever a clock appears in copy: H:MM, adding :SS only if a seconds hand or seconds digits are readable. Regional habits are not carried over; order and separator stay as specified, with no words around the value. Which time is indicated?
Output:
6:14
